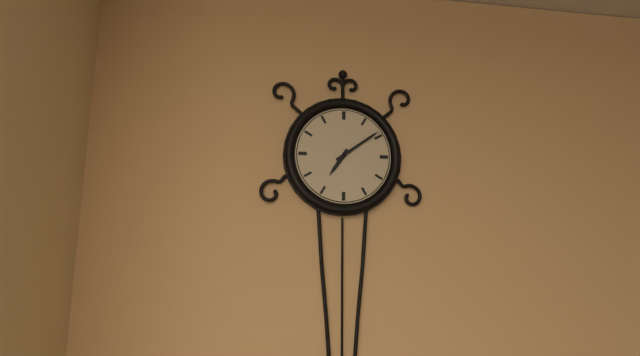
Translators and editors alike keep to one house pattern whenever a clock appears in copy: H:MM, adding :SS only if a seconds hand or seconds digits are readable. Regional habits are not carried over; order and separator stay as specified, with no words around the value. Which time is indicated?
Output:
7:09
